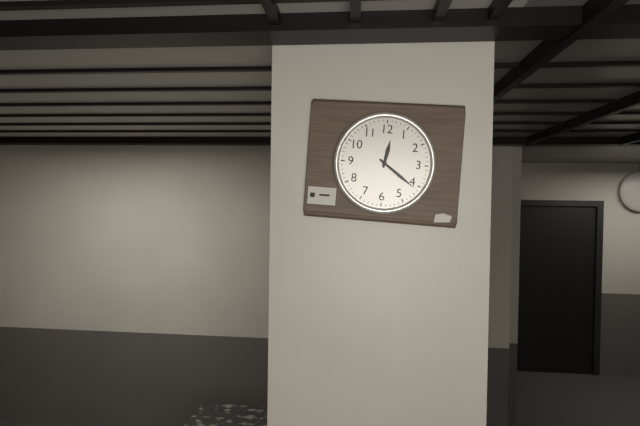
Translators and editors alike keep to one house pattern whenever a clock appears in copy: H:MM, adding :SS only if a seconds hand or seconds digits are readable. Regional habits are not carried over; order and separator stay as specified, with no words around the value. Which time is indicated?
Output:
12:21
